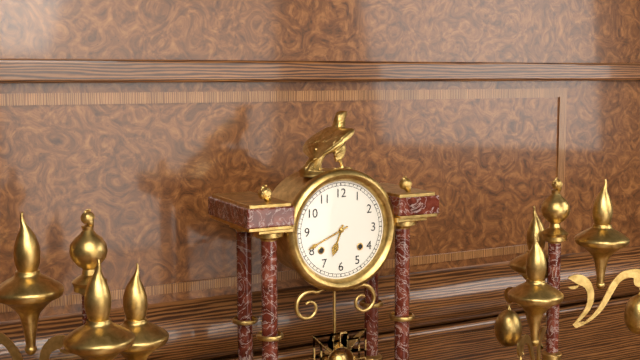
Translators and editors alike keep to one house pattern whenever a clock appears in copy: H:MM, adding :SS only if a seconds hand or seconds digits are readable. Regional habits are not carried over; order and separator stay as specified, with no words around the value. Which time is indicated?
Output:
6:41
